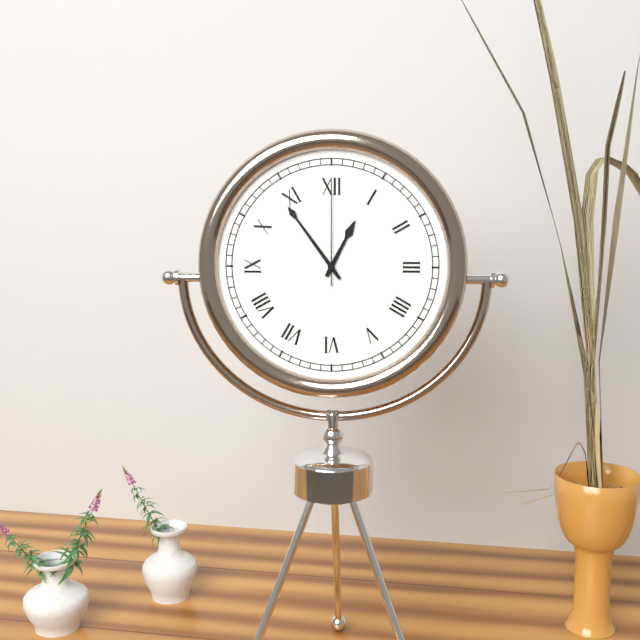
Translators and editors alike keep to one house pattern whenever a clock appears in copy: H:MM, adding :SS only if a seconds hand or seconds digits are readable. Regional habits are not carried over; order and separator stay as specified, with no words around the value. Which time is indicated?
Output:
12:54:00
